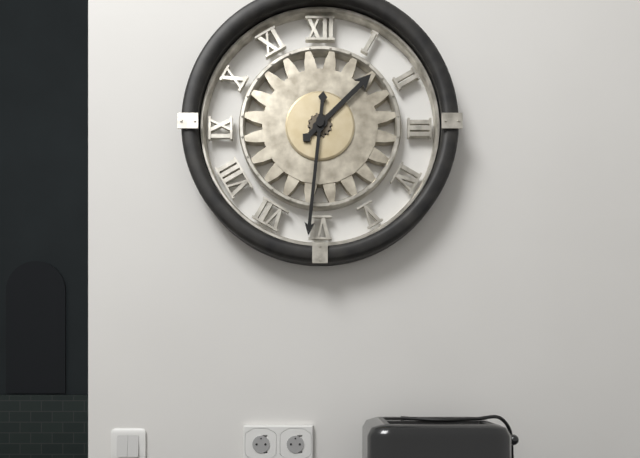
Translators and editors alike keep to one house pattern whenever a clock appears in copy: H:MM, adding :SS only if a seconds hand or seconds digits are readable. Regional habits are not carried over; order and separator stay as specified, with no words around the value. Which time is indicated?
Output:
1:31
